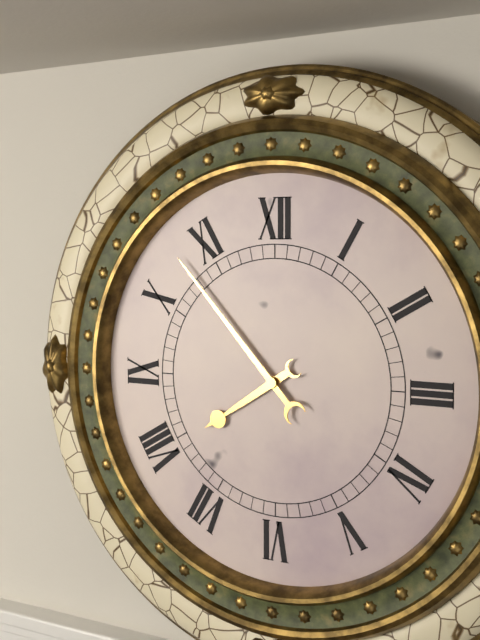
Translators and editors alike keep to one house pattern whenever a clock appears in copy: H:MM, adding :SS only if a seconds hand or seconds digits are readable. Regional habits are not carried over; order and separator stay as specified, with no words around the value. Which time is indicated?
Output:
7:53
